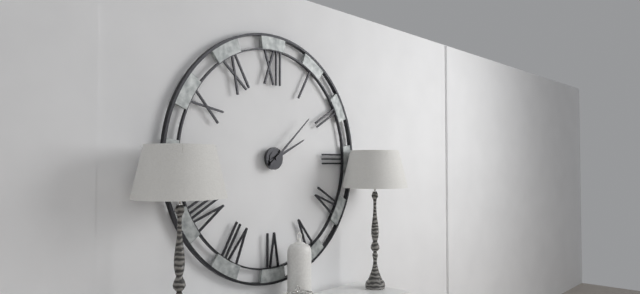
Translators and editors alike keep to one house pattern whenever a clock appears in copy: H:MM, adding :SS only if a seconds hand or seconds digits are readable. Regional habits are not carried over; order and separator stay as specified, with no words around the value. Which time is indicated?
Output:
2:08
